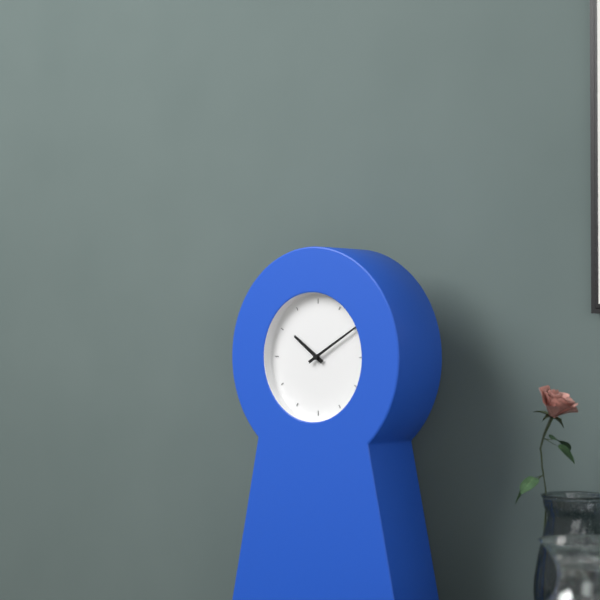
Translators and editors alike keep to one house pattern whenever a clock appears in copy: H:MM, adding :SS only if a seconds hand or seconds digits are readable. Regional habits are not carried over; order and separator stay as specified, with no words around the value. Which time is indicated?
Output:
10:10
